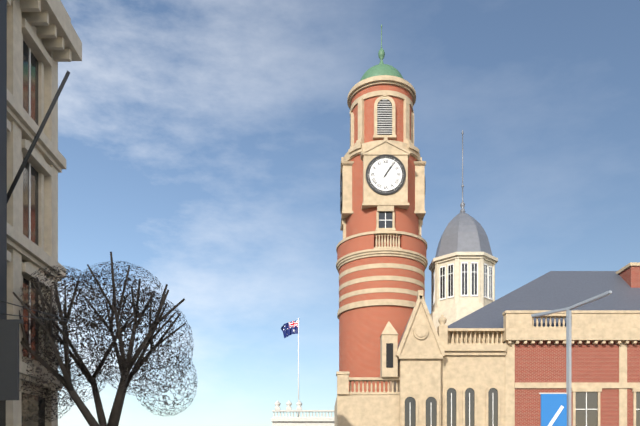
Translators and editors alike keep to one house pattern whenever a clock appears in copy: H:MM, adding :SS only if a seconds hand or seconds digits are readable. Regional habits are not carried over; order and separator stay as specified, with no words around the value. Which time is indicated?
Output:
1:06
